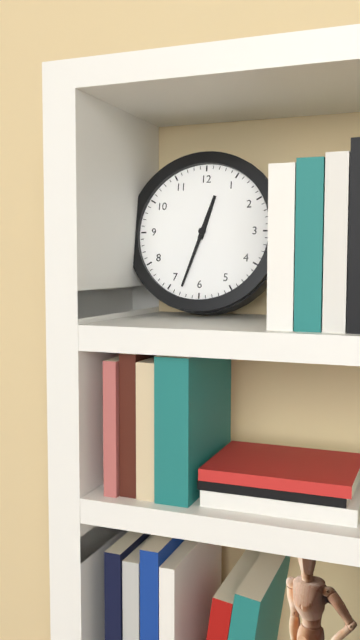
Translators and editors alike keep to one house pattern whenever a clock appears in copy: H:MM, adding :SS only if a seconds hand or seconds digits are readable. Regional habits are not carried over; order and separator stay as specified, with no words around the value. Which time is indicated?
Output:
12:33
